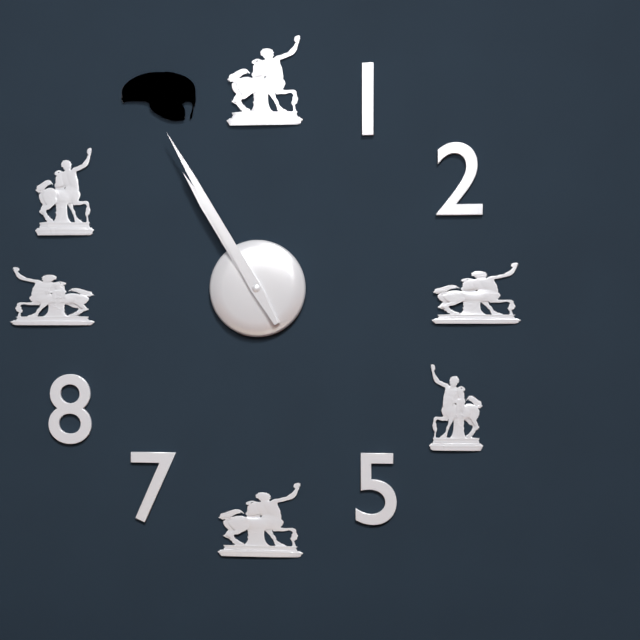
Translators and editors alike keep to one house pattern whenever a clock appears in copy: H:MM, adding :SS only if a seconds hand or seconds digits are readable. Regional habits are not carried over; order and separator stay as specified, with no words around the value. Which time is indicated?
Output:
10:55
